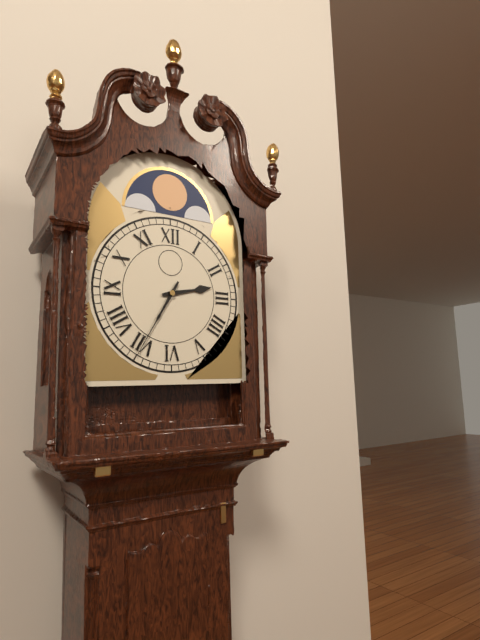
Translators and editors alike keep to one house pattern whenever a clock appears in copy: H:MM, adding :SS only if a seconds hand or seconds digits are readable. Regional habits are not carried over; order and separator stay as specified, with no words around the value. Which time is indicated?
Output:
2:35
